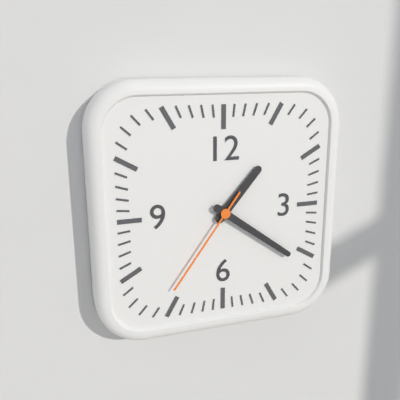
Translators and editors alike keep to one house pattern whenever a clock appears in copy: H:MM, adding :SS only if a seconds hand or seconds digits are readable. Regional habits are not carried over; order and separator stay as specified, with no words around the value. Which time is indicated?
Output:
1:21:36
